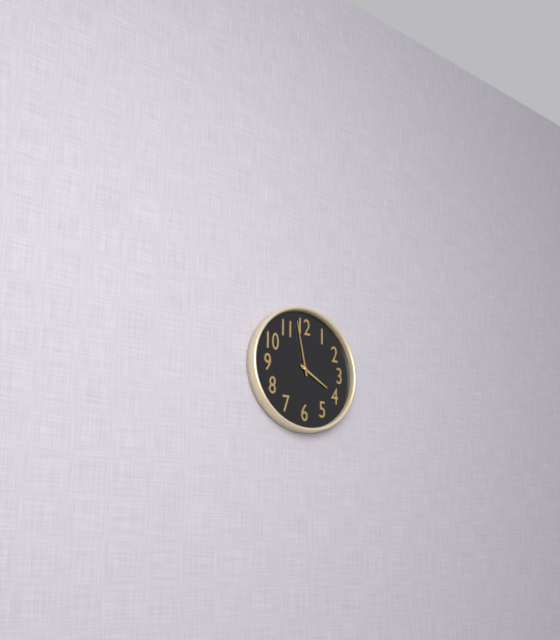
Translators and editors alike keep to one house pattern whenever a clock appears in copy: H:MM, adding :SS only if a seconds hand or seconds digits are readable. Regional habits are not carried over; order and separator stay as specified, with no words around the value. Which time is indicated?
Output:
3:58
